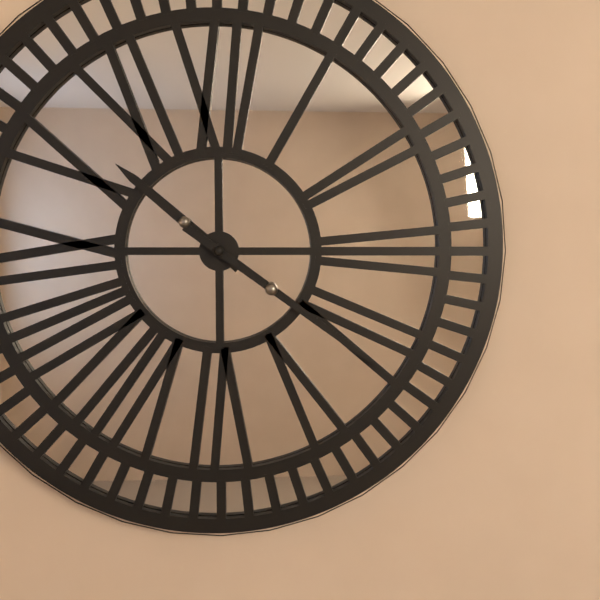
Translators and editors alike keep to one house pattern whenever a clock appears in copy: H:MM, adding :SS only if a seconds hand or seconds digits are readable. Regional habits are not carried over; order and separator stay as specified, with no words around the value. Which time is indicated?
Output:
10:21
